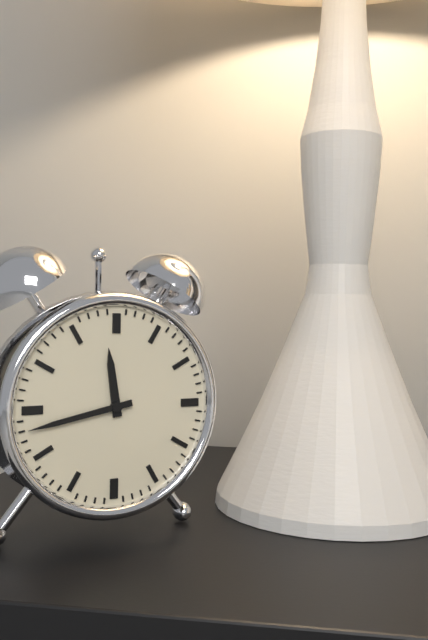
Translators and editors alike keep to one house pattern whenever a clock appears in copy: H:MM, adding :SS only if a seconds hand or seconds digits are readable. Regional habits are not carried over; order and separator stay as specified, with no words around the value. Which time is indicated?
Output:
11:43
